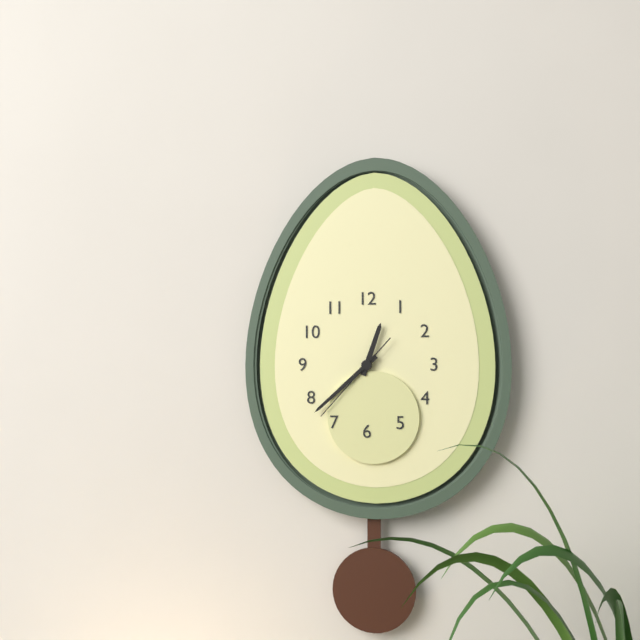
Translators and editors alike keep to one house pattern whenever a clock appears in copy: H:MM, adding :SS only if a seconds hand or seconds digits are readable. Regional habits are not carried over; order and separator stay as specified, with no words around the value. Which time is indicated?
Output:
12:38:37
